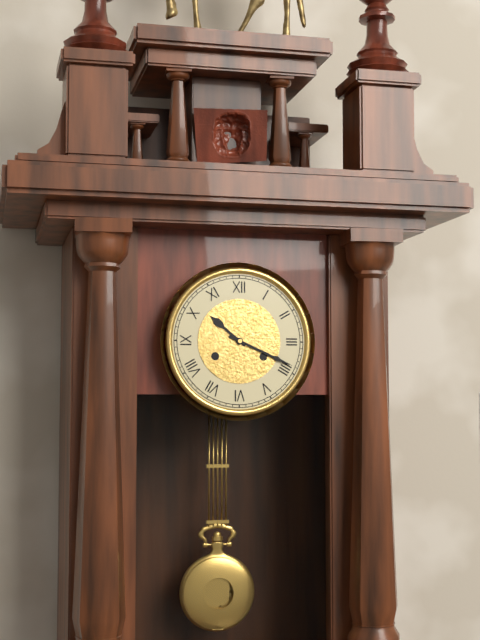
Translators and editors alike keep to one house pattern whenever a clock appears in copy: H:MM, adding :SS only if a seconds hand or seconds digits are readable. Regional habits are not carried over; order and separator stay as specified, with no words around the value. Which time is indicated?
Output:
10:19
